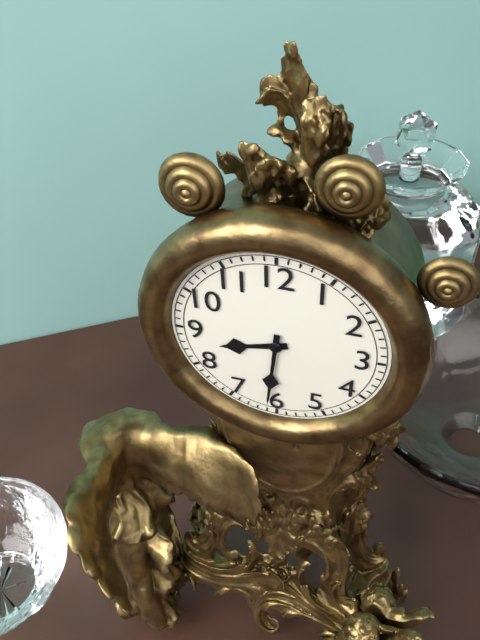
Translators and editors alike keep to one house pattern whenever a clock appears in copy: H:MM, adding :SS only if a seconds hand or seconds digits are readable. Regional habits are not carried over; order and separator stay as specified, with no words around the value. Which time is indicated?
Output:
8:31
